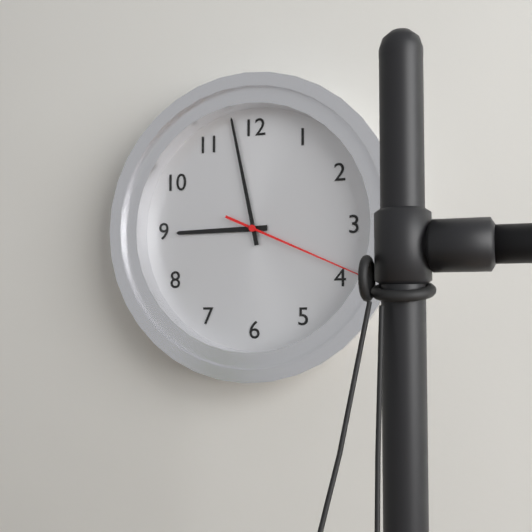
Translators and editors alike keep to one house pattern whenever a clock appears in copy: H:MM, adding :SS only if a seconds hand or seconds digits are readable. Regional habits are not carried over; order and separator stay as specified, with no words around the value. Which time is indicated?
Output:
8:58:19
